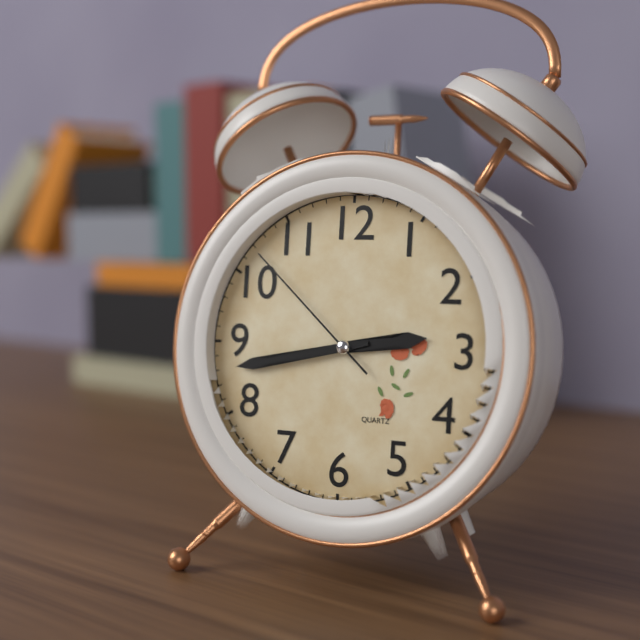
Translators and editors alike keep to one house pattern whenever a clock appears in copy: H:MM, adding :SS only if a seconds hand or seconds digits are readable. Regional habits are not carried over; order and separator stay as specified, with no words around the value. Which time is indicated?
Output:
2:43:52
